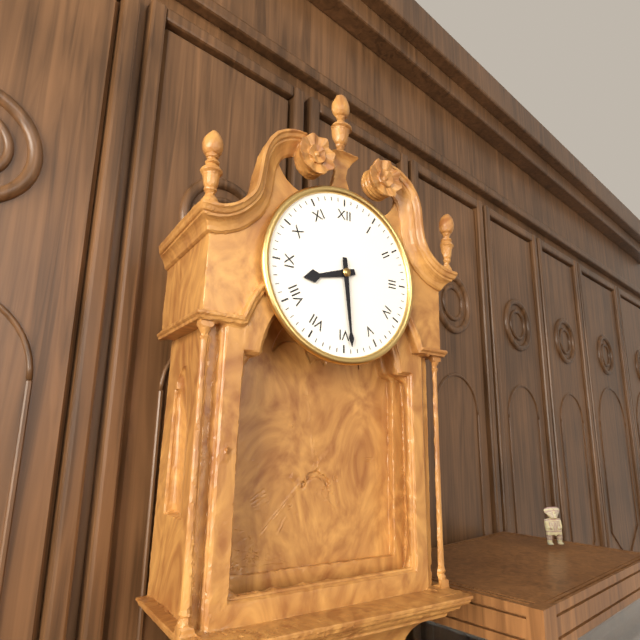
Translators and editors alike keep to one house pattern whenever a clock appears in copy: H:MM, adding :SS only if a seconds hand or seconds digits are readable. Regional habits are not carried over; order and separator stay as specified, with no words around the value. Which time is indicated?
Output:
8:29
